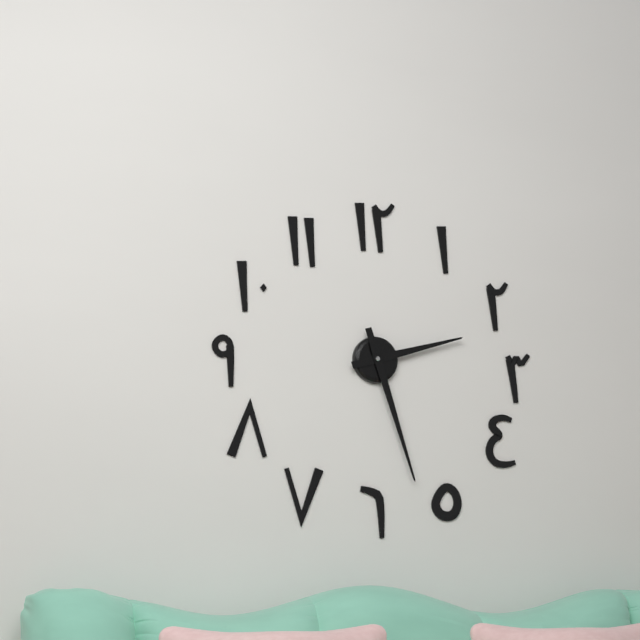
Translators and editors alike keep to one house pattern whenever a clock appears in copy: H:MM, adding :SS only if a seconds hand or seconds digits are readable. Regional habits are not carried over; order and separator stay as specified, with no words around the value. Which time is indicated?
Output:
2:27
